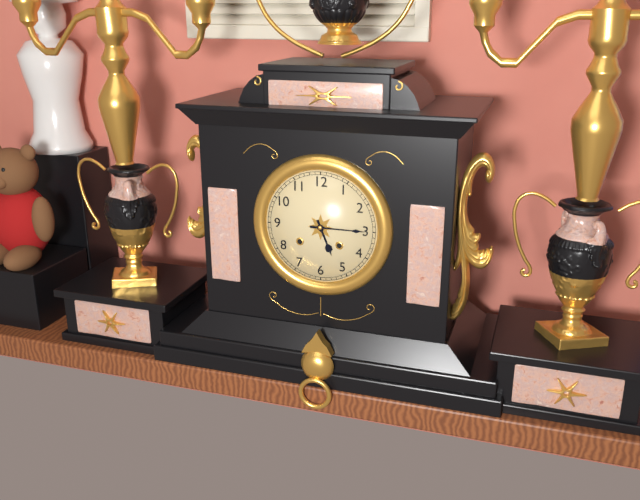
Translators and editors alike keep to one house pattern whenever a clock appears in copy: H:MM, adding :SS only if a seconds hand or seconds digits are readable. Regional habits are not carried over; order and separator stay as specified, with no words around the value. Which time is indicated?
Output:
5:15
